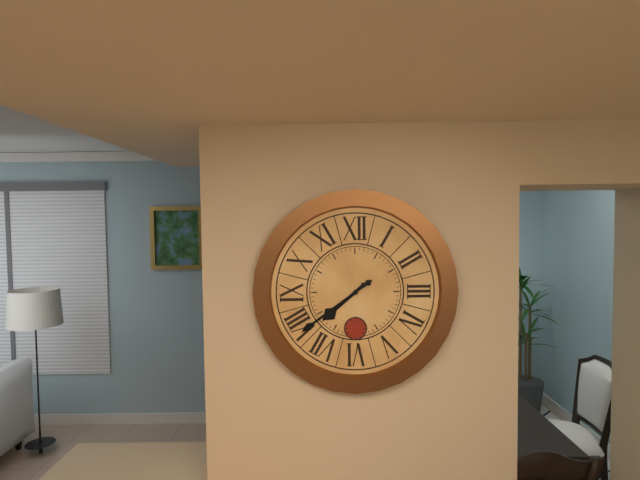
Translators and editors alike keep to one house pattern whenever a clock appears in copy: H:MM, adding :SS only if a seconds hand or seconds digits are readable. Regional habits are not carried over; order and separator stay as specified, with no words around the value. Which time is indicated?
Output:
7:39
